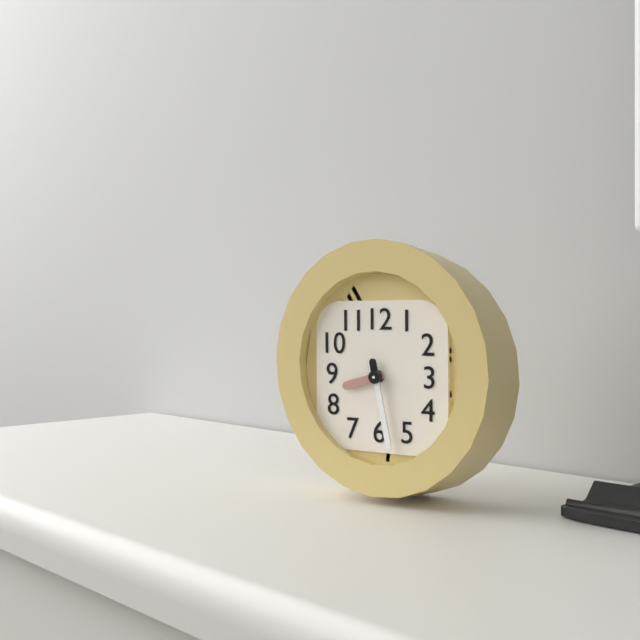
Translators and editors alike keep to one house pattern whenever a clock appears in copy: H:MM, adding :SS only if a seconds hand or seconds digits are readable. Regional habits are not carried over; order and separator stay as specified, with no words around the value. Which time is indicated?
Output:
8:28
